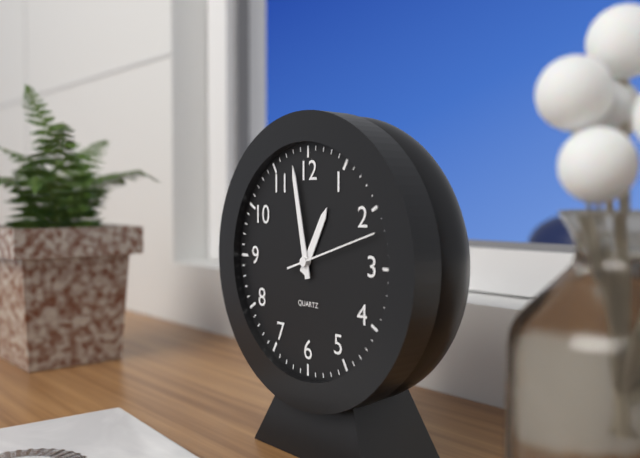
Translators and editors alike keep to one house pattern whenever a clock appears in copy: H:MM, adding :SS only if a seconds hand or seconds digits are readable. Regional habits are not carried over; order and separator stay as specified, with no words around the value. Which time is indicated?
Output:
12:58:12
